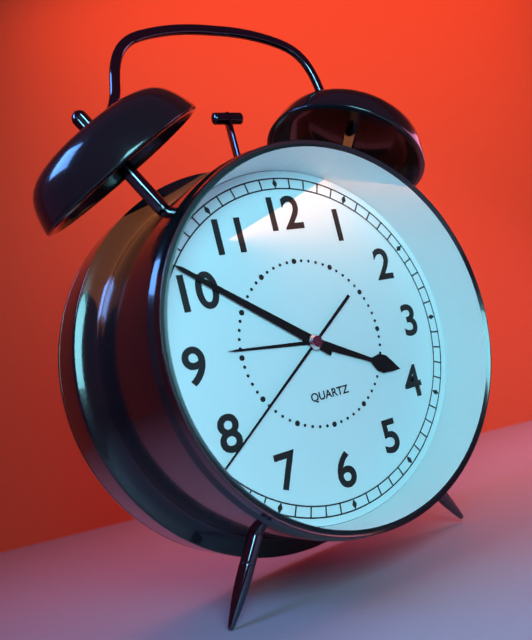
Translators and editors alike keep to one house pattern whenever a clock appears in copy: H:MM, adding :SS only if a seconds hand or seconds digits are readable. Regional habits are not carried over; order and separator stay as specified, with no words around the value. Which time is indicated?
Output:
3:51:39
